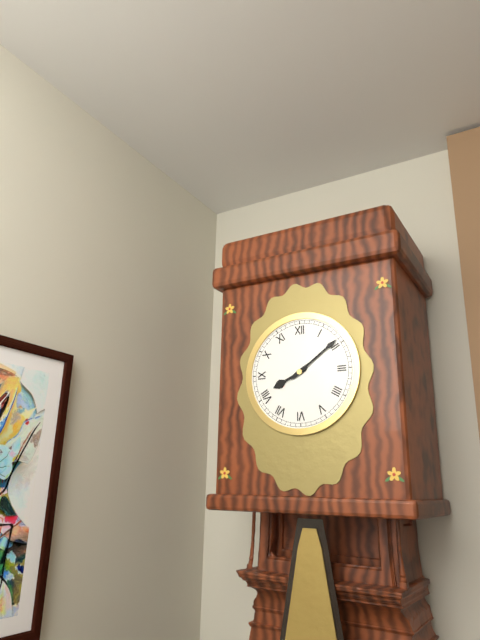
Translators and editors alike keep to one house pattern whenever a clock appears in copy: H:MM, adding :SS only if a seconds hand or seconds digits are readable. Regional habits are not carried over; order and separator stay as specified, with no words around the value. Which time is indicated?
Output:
8:09
